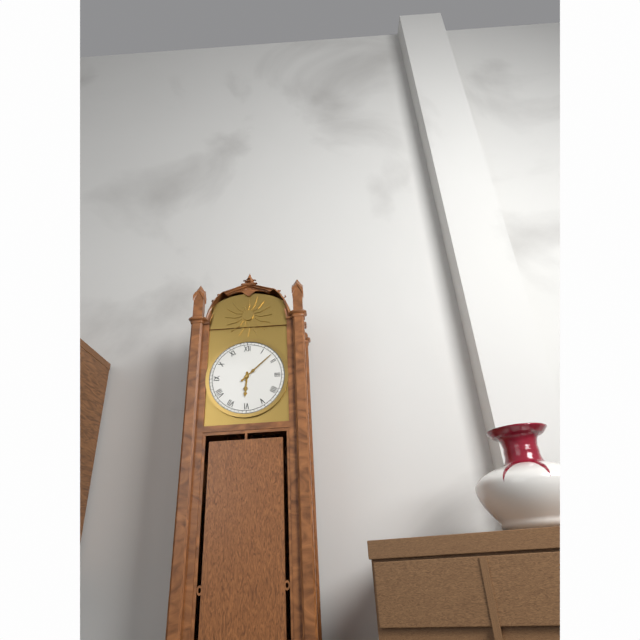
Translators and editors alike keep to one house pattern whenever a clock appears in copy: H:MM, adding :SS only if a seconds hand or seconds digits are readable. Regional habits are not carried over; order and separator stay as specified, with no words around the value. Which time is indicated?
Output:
6:08
